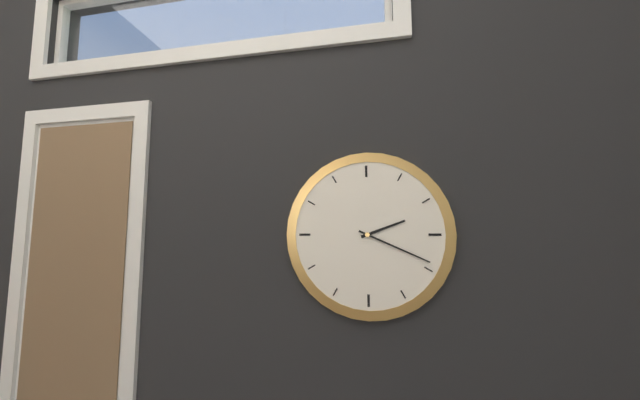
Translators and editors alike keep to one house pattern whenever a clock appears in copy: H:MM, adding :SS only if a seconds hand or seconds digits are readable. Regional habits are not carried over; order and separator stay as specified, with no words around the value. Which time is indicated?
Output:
2:19
